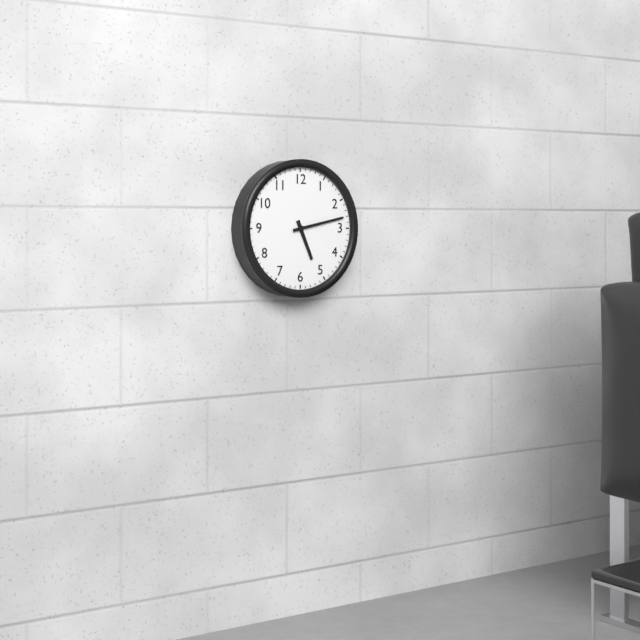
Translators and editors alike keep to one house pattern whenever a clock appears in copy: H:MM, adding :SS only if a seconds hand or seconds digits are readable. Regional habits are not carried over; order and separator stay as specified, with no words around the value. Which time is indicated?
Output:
5:13
